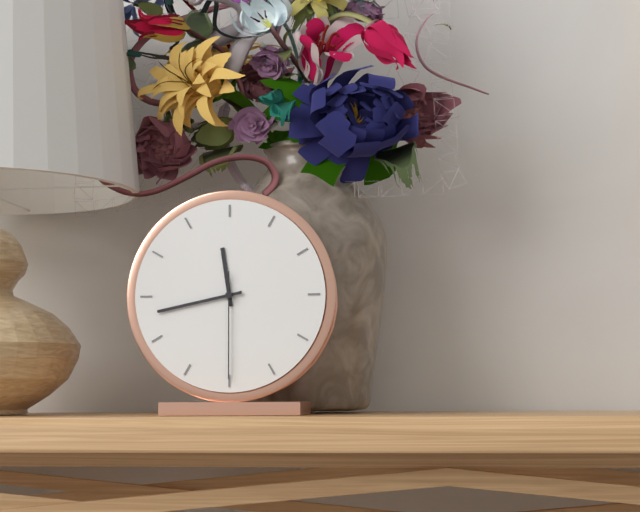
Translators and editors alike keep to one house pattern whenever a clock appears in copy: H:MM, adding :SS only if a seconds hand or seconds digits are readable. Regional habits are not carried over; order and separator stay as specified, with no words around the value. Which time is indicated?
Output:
11:43:30
